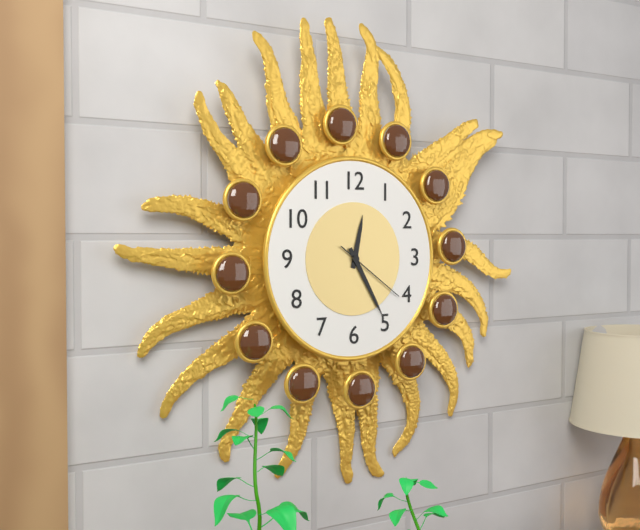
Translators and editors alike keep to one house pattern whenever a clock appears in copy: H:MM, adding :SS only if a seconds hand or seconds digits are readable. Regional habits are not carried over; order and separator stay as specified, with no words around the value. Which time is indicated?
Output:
12:25:21
